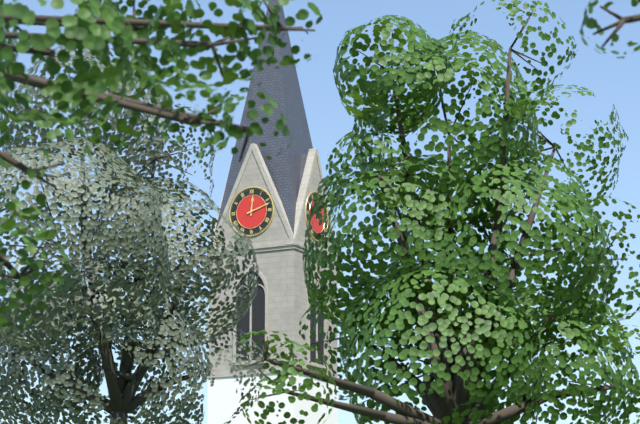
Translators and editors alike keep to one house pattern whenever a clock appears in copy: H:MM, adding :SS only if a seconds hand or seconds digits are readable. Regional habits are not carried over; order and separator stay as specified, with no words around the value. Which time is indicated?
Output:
12:12
